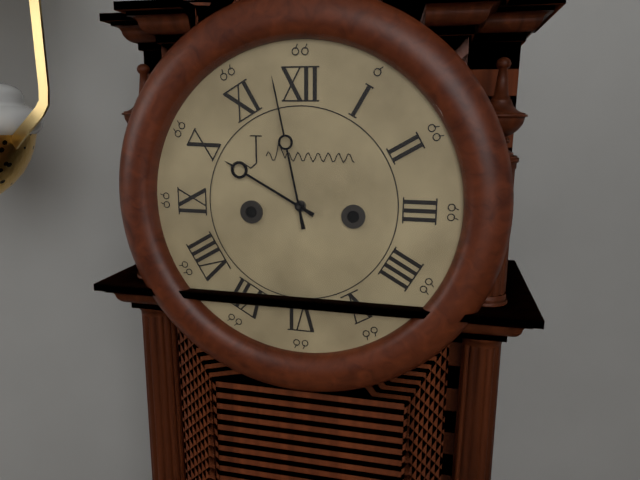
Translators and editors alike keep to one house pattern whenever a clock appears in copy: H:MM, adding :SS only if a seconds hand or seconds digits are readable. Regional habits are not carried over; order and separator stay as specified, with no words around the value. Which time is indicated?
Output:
9:58
